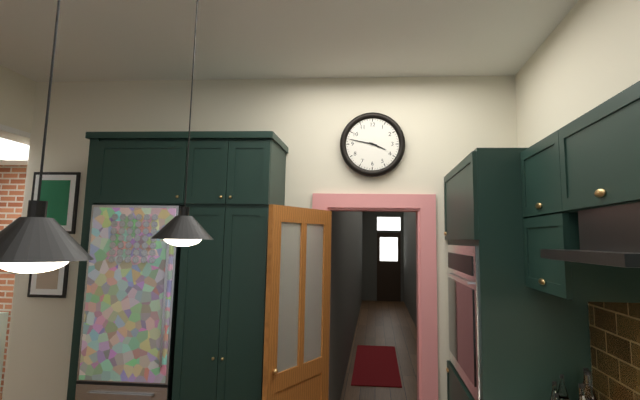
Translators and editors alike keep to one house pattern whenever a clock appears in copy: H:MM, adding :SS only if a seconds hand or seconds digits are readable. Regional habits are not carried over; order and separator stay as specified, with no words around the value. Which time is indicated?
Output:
3:47
